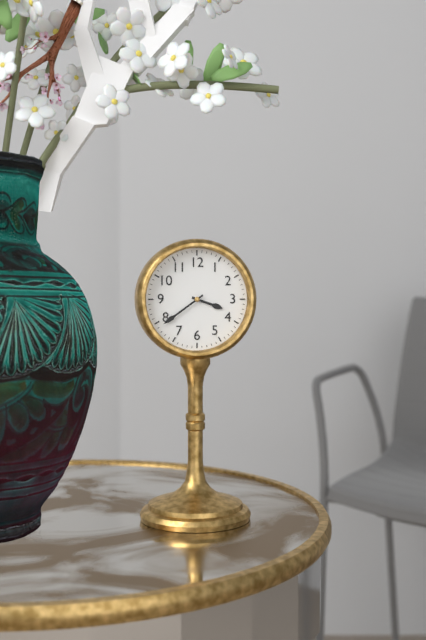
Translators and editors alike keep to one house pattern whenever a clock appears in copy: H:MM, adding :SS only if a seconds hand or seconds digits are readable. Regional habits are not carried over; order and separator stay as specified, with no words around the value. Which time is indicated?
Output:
3:39
